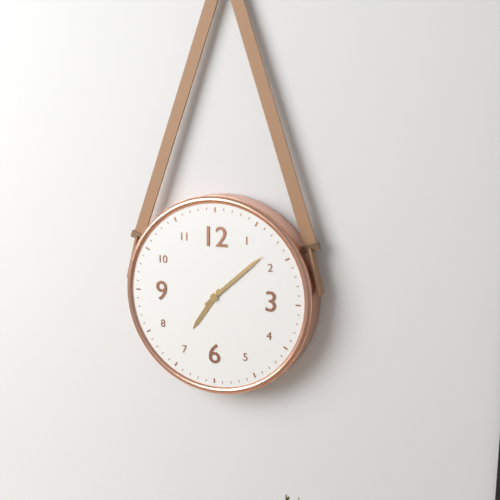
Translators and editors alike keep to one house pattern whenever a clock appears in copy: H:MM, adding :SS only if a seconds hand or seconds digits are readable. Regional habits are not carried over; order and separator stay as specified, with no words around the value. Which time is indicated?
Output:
7:08
